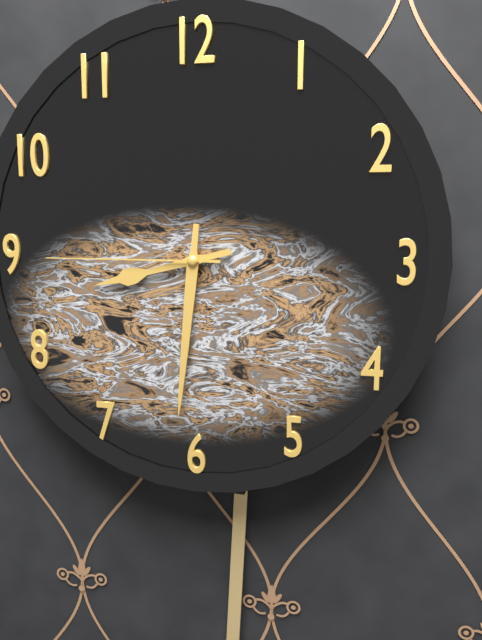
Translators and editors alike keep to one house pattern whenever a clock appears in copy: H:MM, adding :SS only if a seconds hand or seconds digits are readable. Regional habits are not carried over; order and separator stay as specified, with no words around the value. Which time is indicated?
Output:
8:31:45
